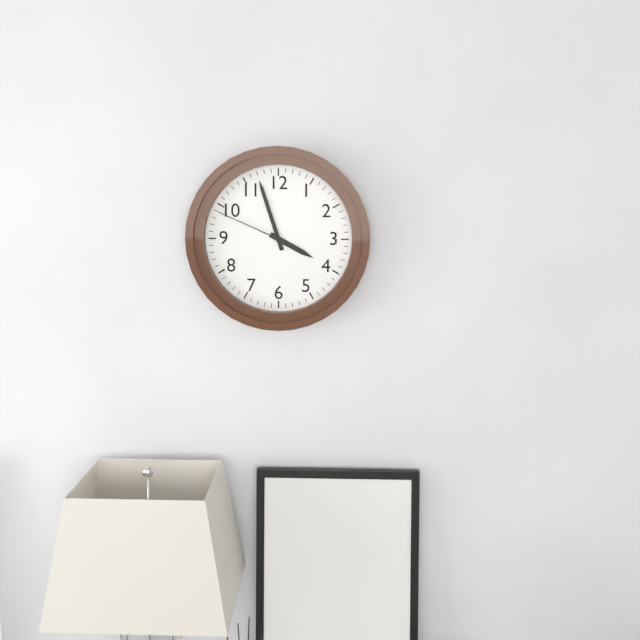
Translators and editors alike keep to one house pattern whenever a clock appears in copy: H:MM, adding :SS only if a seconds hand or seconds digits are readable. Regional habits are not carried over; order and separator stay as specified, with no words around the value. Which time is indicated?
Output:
3:57:49
